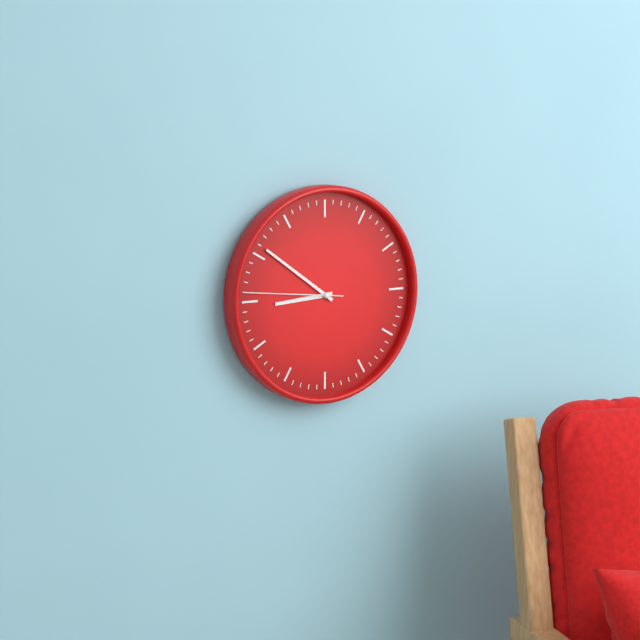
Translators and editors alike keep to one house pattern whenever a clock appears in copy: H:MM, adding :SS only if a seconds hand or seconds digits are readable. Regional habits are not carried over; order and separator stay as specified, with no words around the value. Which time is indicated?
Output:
8:51:46
